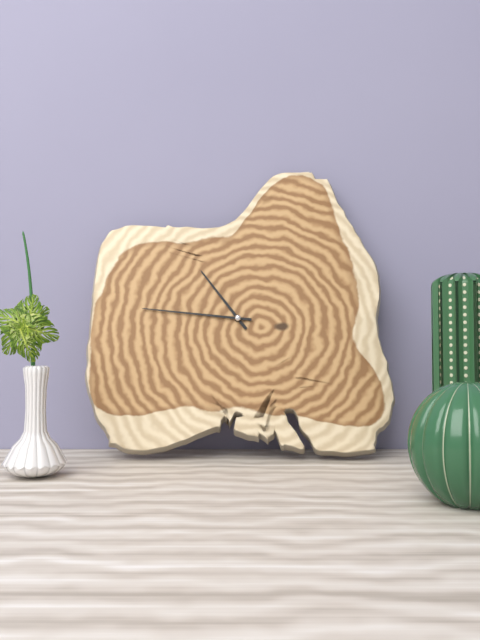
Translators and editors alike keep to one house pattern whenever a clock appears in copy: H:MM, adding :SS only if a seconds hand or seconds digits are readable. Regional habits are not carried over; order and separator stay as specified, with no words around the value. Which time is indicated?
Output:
10:46
